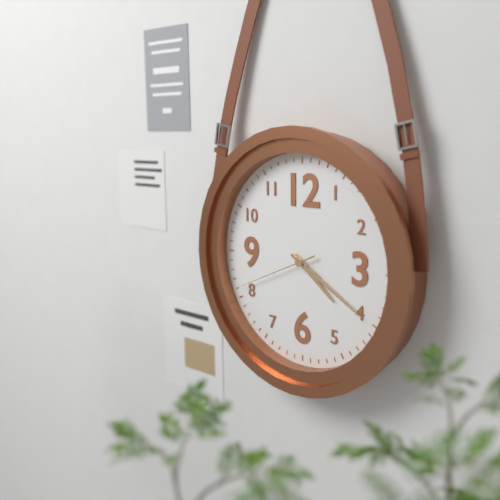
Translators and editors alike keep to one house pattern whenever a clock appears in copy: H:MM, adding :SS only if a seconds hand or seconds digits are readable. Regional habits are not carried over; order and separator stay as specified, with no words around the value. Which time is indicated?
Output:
4:20:41
